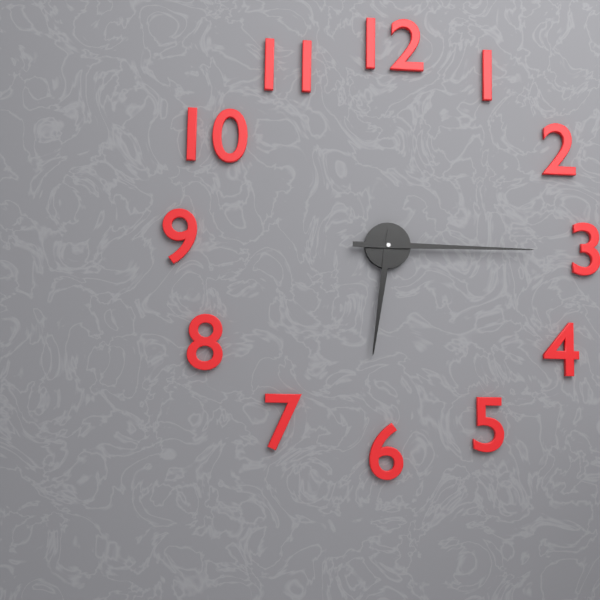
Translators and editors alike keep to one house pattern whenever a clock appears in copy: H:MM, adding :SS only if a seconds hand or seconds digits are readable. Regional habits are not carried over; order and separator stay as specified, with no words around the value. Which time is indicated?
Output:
6:15
